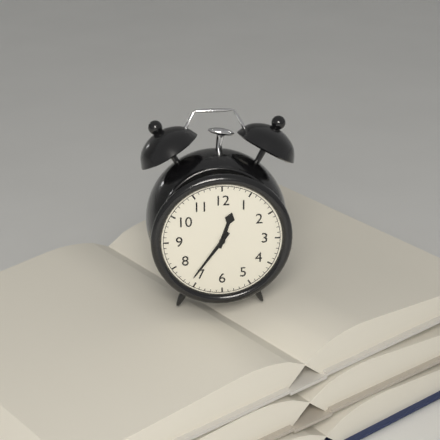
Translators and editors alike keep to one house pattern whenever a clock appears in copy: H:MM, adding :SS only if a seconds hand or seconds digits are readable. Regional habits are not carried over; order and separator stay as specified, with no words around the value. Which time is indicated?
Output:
12:36
